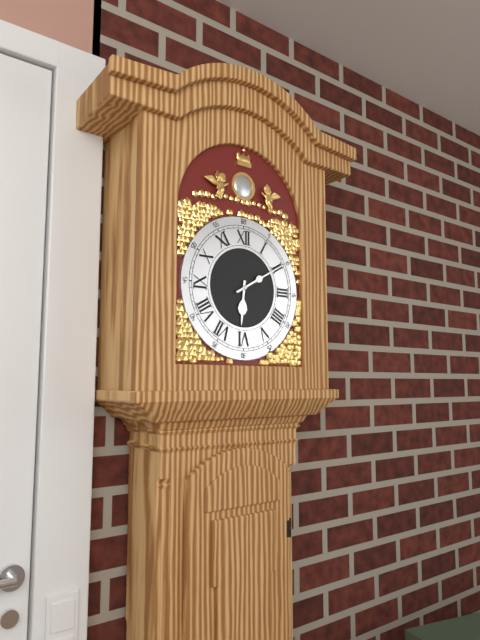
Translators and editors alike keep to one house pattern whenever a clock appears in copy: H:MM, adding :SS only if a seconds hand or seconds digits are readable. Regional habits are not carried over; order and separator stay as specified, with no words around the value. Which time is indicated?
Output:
6:10
